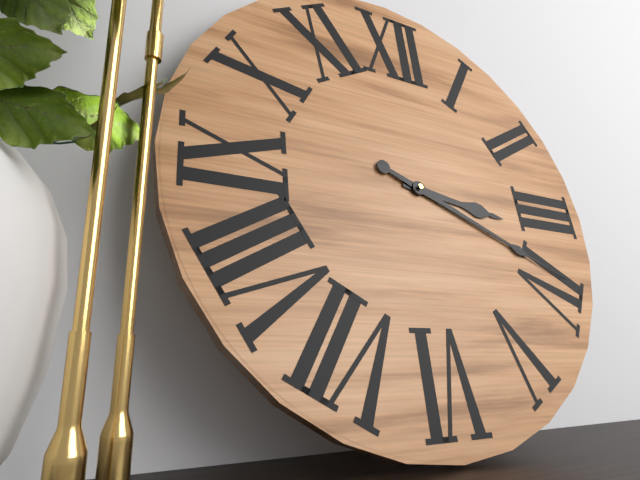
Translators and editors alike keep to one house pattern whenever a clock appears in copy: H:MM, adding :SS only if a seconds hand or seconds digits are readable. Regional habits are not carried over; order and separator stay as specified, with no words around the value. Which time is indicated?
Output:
3:19
